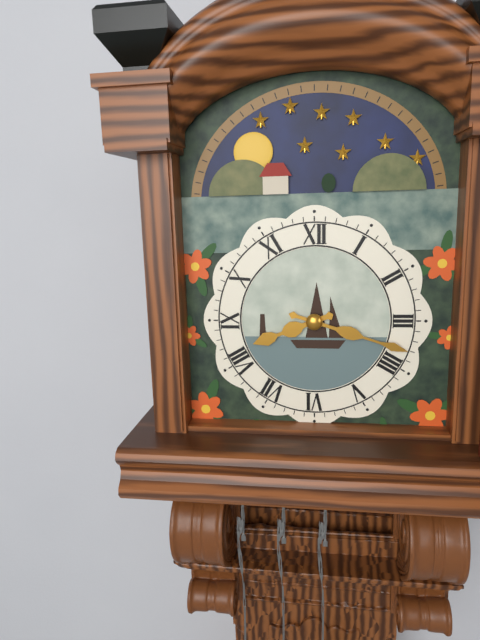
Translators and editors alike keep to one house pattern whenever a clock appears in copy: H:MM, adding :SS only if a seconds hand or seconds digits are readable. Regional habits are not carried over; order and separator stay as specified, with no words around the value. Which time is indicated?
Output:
8:18
